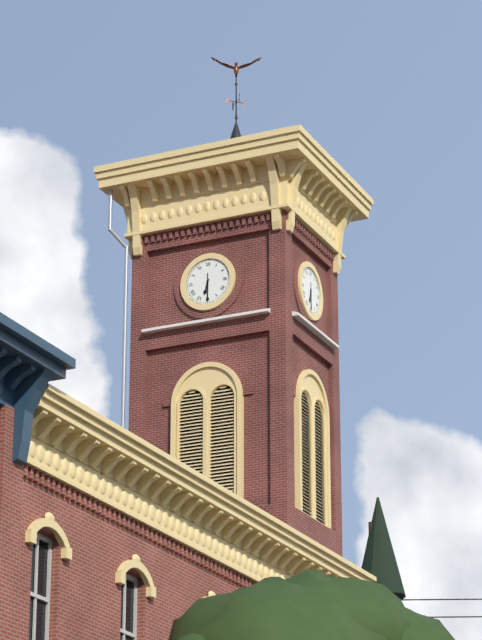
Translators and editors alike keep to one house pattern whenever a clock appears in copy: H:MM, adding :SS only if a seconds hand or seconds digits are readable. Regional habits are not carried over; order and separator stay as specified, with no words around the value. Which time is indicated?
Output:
6:30
